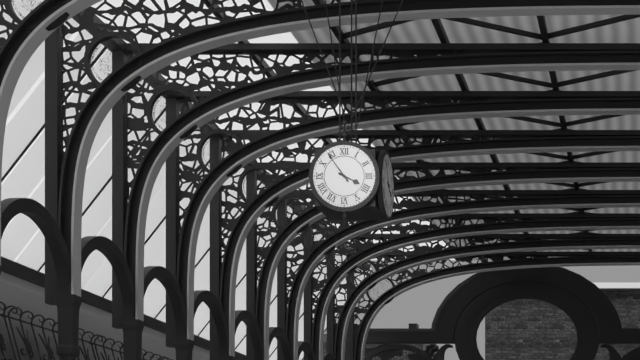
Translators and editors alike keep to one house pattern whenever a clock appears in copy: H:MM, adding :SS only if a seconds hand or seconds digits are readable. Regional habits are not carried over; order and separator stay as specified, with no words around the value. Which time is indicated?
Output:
3:54
